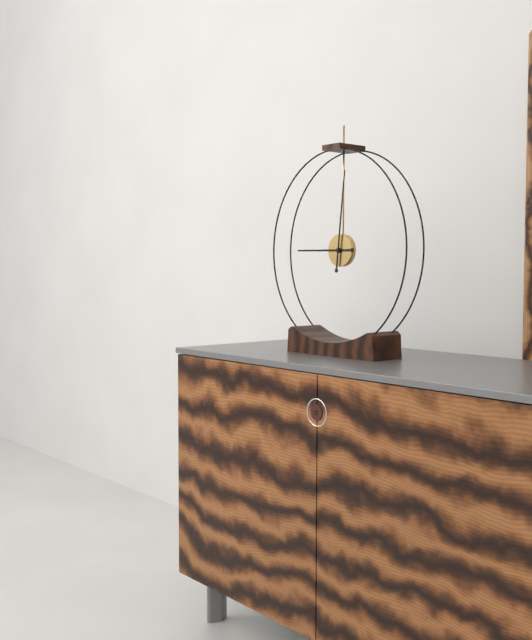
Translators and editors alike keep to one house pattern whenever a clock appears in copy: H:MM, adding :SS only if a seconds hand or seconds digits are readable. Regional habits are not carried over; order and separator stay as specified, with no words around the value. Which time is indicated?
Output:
9:01
